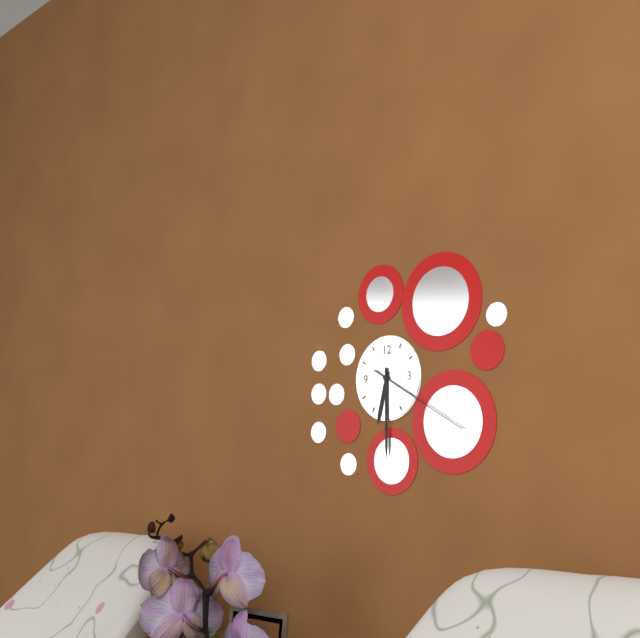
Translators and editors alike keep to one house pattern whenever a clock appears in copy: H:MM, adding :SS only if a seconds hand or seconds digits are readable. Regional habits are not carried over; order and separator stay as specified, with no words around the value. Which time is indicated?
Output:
6:30:20
